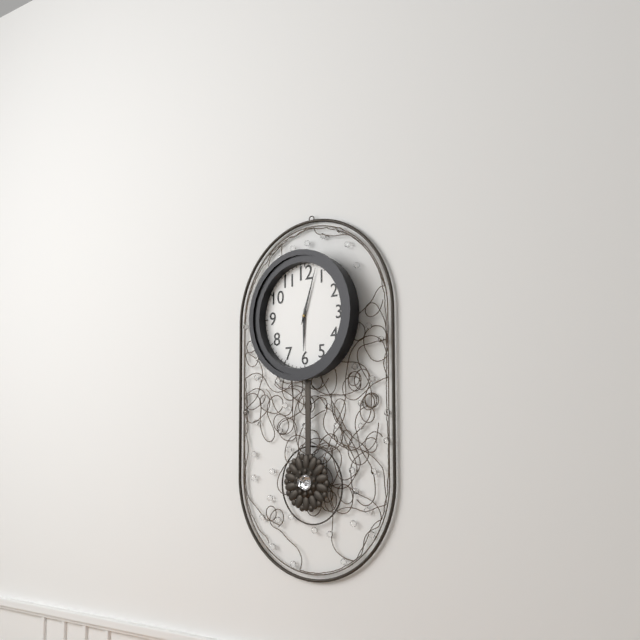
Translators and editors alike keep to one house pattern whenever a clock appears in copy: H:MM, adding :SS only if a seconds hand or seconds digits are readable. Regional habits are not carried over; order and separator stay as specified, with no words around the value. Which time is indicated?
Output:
6:03
